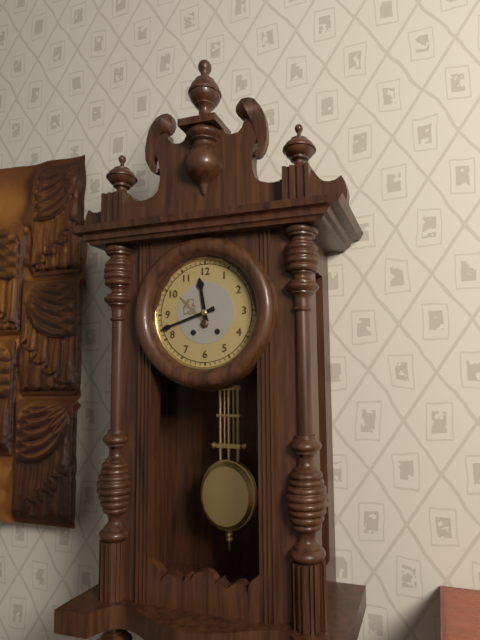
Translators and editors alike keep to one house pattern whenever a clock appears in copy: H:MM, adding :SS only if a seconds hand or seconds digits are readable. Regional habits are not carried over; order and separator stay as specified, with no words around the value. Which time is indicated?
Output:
11:42
